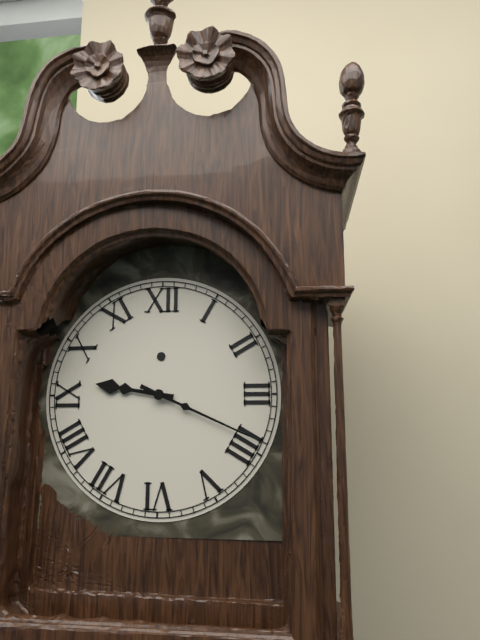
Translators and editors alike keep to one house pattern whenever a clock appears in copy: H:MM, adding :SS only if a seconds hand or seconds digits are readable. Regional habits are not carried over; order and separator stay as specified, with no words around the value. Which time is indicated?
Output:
9:19
